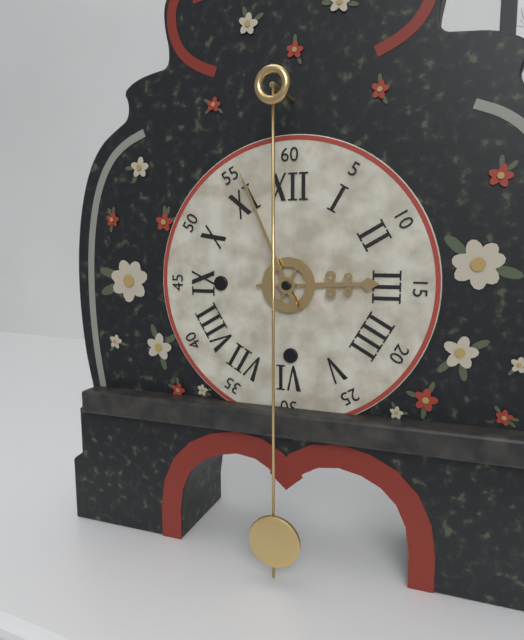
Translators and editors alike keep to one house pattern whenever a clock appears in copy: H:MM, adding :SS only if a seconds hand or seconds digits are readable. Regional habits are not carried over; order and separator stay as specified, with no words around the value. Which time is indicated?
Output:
2:56
